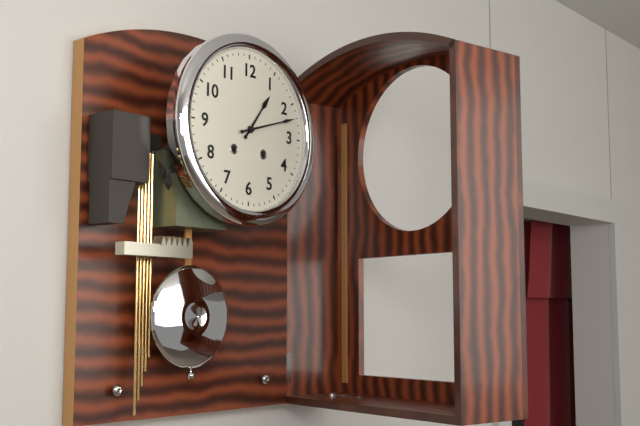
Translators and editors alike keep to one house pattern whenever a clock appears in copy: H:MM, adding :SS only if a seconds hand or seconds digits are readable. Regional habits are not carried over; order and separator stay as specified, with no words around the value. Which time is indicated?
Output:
1:12
